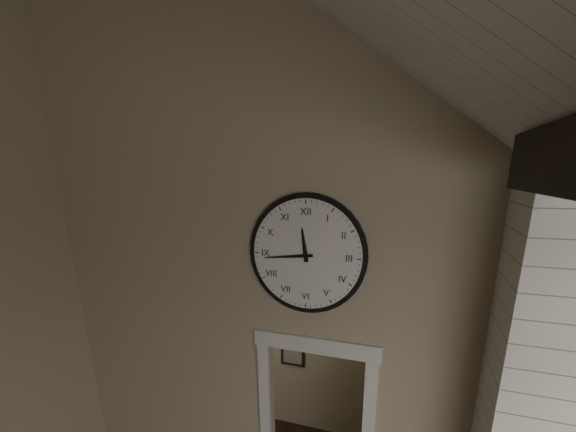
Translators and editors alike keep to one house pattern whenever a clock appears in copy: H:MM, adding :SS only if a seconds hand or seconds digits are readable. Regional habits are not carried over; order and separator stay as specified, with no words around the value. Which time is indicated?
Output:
11:44
